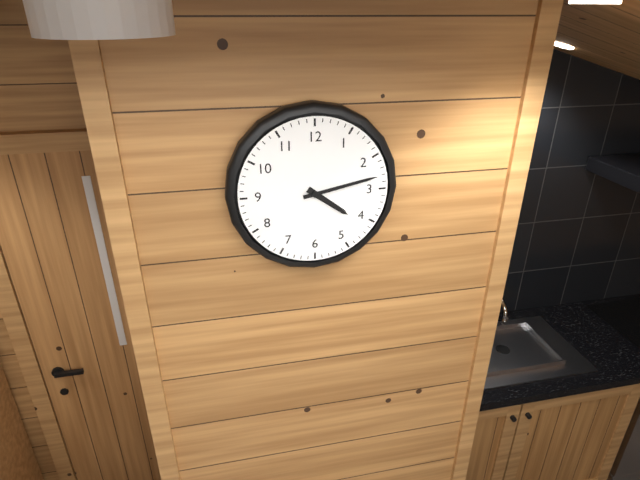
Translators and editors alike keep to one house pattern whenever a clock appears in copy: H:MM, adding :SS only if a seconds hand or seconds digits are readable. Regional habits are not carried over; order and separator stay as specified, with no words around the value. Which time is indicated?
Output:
4:13
